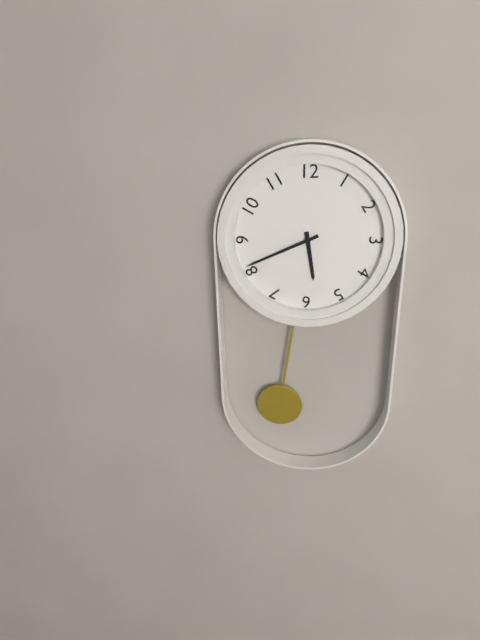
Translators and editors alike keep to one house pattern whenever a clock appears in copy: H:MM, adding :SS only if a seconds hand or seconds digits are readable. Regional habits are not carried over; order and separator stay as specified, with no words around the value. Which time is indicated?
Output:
5:41
